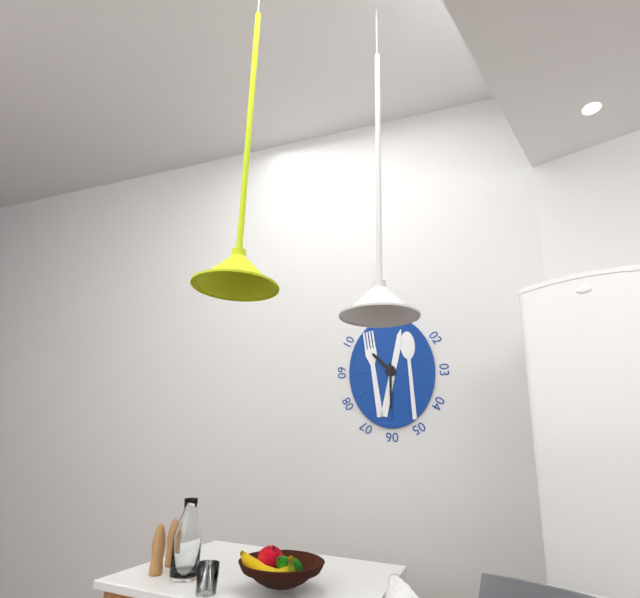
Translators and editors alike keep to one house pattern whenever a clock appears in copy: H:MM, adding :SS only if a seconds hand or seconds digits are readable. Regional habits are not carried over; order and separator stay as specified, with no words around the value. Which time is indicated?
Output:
10:30
